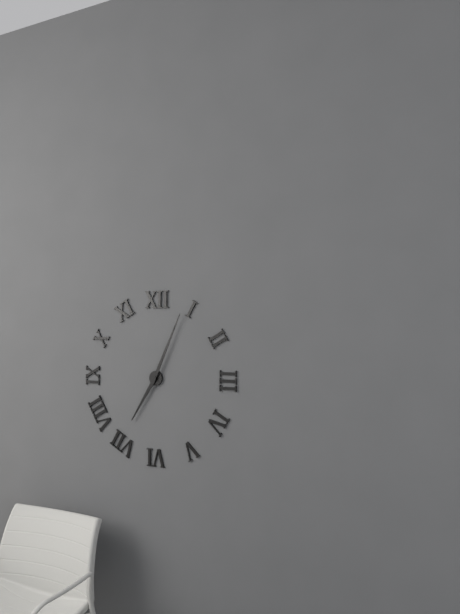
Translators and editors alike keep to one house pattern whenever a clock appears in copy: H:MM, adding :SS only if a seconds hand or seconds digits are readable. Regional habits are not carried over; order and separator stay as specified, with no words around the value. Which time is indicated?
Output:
7:04
